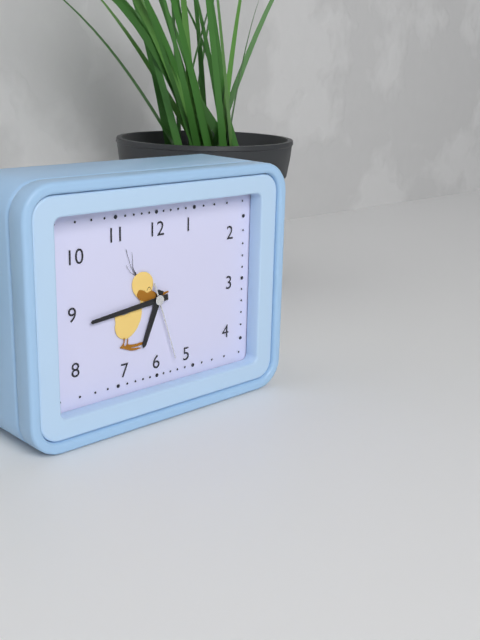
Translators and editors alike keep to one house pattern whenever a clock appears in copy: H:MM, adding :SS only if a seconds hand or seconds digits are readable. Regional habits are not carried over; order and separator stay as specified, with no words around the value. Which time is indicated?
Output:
6:44:27
